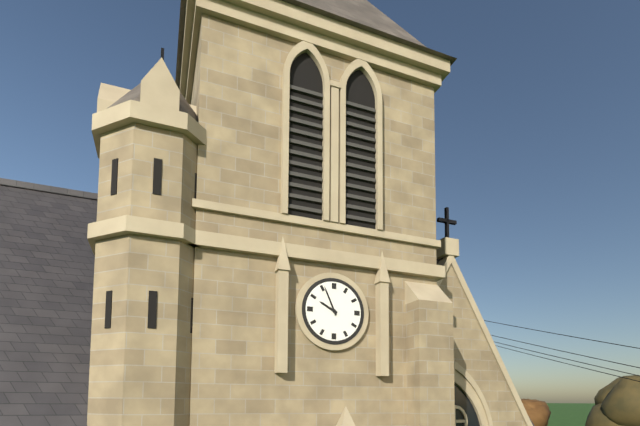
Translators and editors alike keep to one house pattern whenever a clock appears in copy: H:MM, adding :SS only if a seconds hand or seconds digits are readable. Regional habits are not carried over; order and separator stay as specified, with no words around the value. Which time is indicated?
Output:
9:56
